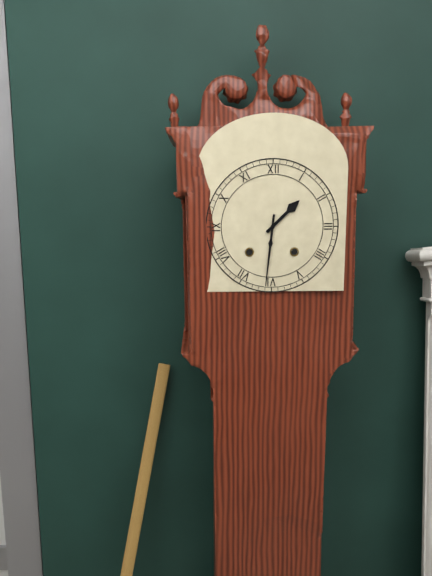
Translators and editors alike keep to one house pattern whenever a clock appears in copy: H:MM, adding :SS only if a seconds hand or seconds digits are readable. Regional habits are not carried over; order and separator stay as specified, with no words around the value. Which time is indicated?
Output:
1:31
